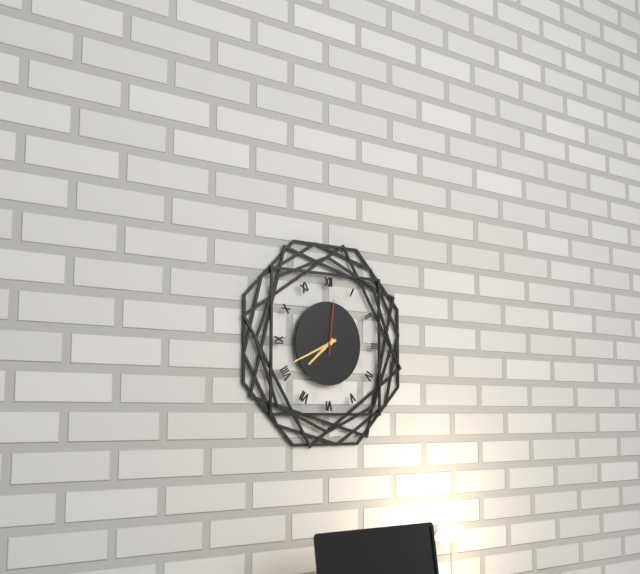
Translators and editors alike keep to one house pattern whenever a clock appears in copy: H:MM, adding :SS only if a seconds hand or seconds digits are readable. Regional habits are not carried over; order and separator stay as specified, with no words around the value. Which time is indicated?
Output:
7:41:01
